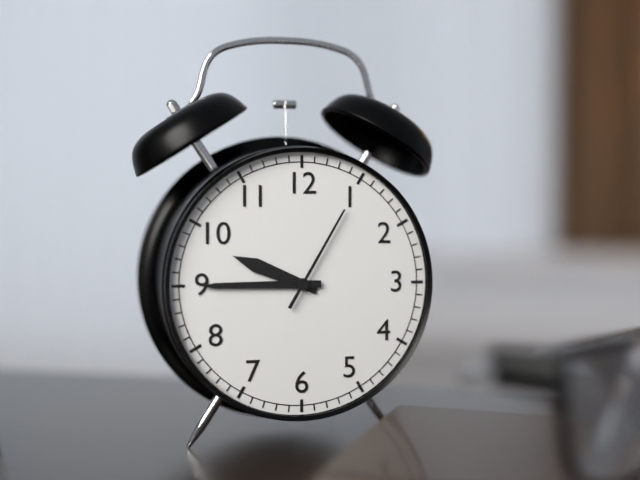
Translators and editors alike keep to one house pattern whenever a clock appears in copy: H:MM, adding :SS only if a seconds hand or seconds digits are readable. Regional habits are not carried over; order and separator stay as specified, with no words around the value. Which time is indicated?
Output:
9:45:05
